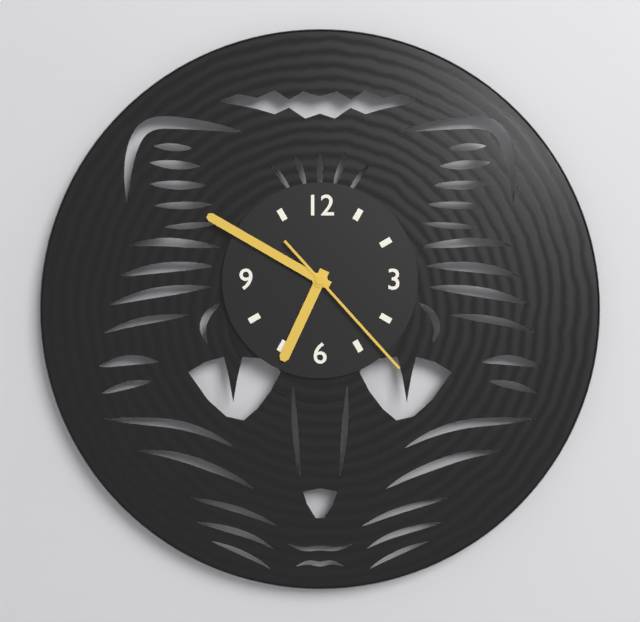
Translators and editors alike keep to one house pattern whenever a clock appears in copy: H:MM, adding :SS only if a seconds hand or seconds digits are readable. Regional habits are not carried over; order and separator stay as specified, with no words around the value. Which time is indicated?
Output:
6:50:23
